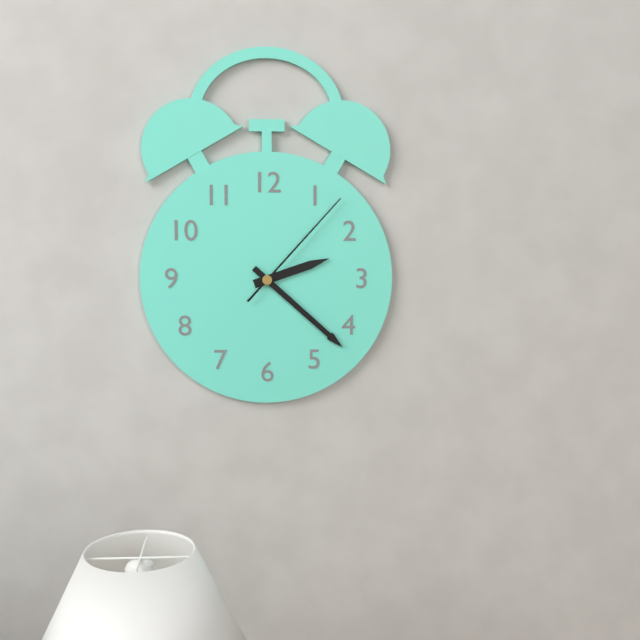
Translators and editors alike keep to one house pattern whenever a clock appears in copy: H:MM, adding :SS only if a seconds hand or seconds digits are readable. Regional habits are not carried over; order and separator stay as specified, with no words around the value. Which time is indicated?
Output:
2:22:07
